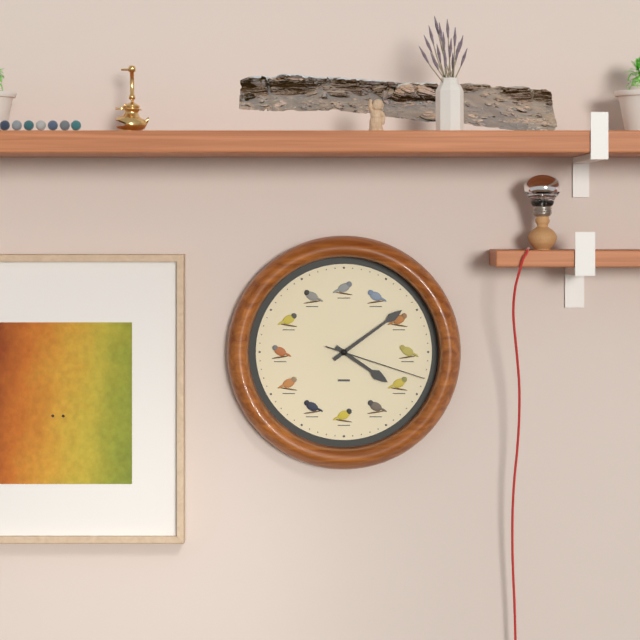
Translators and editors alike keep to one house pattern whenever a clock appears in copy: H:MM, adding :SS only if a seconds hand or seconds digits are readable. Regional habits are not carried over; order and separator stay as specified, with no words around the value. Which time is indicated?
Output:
4:09:18
